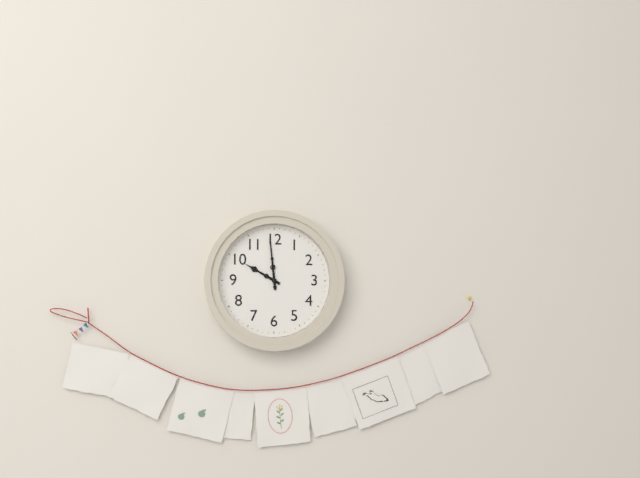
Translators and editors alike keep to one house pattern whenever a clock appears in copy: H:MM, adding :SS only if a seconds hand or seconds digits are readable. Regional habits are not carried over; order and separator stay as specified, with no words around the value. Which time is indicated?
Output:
9:59
